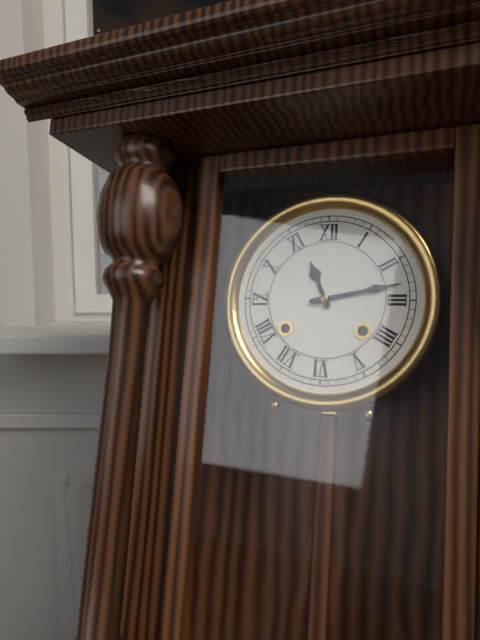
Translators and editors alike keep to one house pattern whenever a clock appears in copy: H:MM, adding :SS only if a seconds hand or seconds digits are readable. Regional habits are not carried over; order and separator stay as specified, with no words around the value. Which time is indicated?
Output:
11:13
